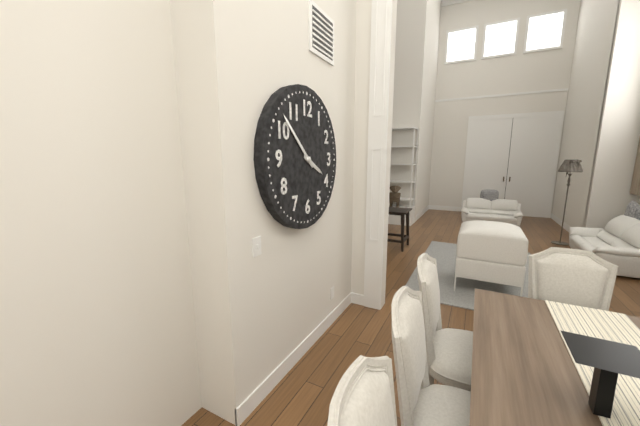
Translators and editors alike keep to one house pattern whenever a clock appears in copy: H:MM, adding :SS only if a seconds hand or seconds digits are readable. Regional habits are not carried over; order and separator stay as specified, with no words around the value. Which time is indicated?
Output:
3:52
